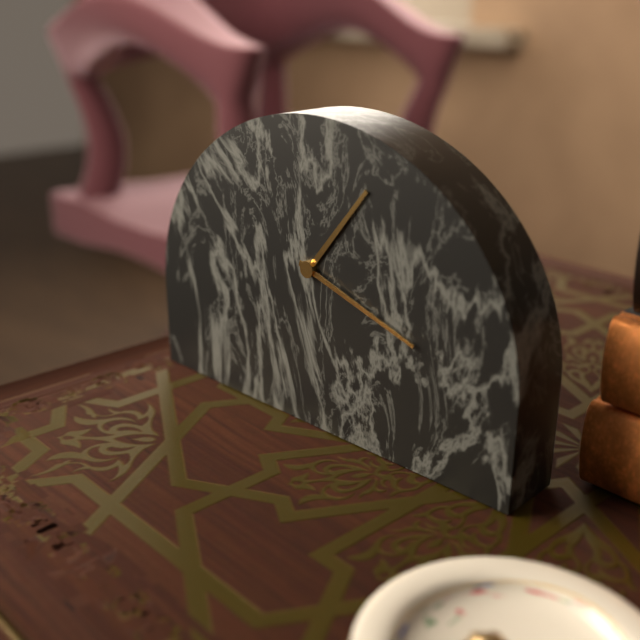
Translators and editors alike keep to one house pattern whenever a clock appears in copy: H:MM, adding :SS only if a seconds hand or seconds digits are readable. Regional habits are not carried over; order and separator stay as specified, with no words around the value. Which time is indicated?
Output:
1:18
